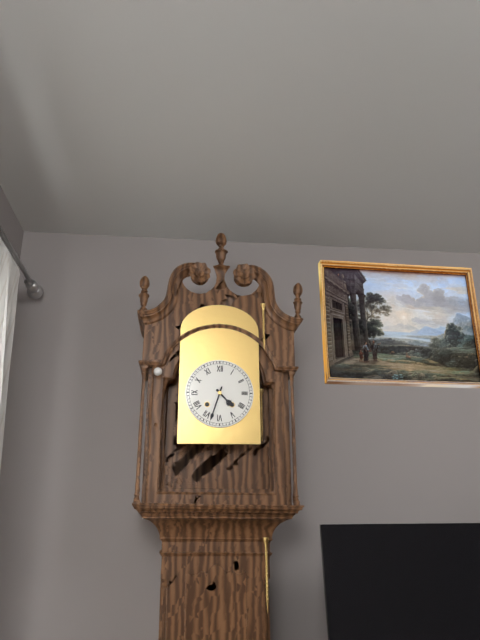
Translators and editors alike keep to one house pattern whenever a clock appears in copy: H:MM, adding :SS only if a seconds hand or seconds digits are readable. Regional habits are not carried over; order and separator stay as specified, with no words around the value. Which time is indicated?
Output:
4:33
